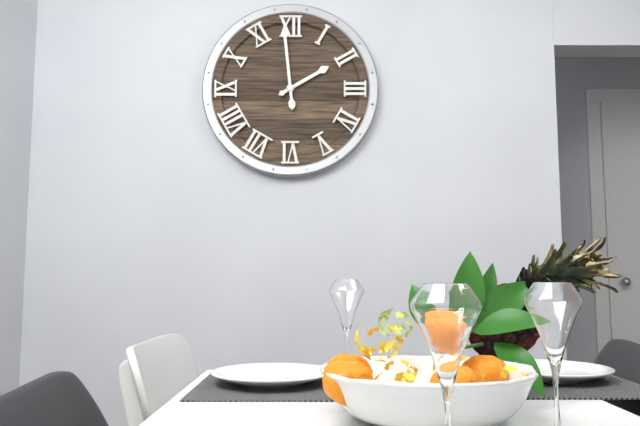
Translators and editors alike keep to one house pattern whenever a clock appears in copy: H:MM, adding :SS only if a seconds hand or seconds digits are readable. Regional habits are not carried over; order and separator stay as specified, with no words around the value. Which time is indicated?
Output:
1:59
